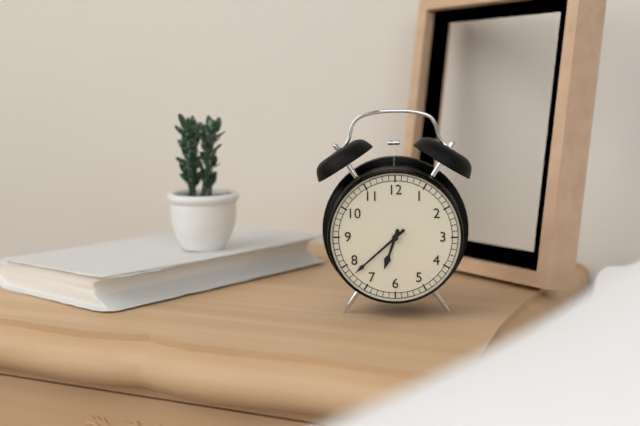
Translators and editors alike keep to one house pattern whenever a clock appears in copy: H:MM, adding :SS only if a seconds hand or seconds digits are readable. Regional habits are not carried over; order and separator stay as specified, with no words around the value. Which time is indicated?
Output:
6:38
